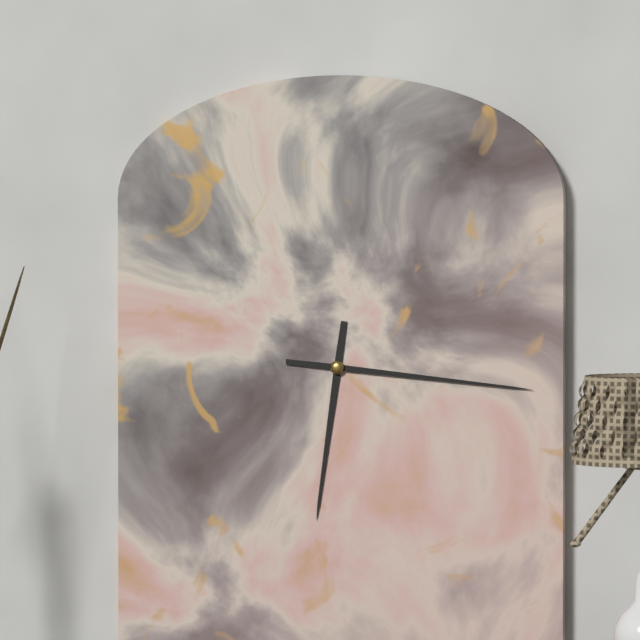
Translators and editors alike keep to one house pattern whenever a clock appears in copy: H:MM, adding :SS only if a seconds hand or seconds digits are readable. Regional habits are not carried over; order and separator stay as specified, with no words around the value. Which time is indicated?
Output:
6:16
